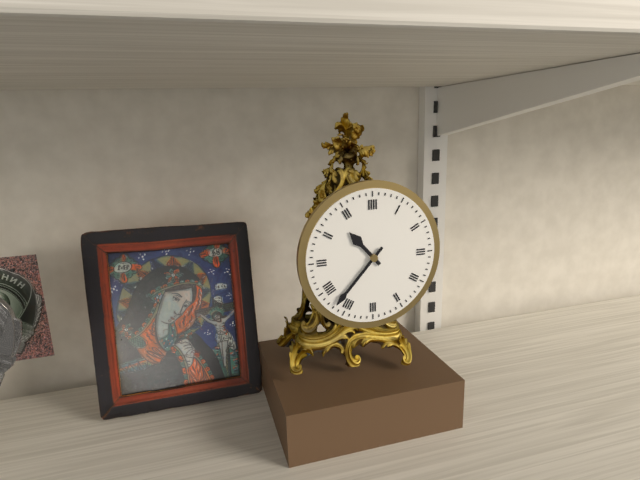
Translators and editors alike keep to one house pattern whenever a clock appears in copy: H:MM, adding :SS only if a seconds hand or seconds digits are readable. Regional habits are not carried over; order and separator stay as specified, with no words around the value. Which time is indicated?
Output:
10:37
